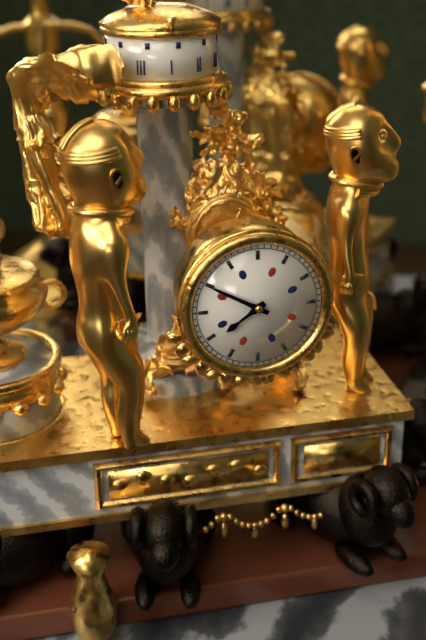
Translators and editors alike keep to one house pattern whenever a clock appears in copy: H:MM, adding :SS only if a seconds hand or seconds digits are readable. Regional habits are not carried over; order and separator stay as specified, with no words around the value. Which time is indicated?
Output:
7:50
